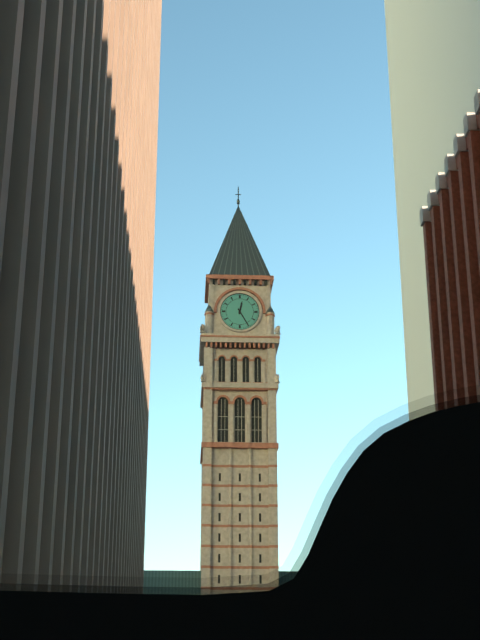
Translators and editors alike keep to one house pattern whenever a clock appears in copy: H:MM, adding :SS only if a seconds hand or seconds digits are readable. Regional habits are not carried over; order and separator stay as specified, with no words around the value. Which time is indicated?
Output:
12:25
